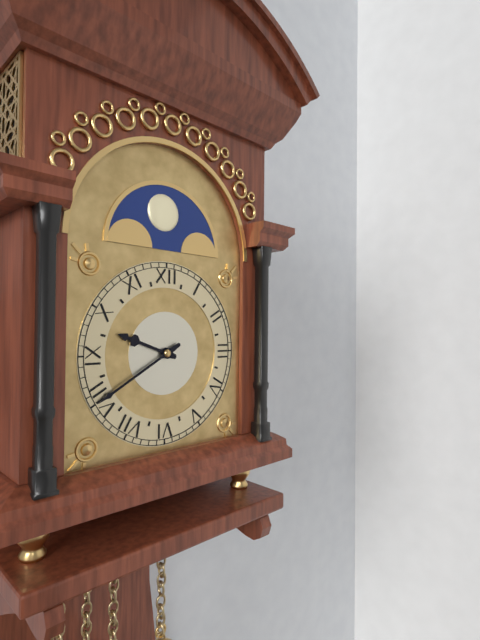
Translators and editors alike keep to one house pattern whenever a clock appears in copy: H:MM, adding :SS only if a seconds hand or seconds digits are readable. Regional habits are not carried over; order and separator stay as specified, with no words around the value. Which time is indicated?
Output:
9:40
